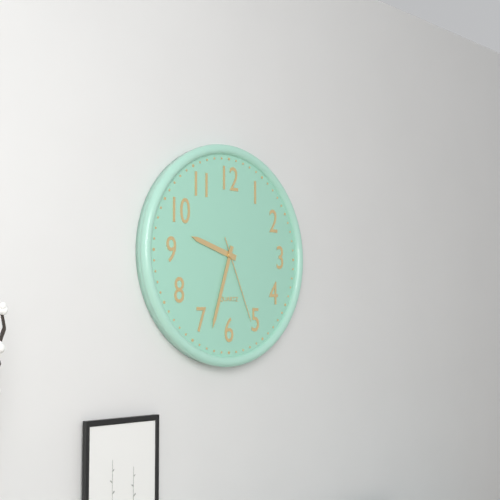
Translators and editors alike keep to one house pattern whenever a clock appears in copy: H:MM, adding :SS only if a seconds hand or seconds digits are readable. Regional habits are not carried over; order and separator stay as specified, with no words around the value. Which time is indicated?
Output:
9:33:26
